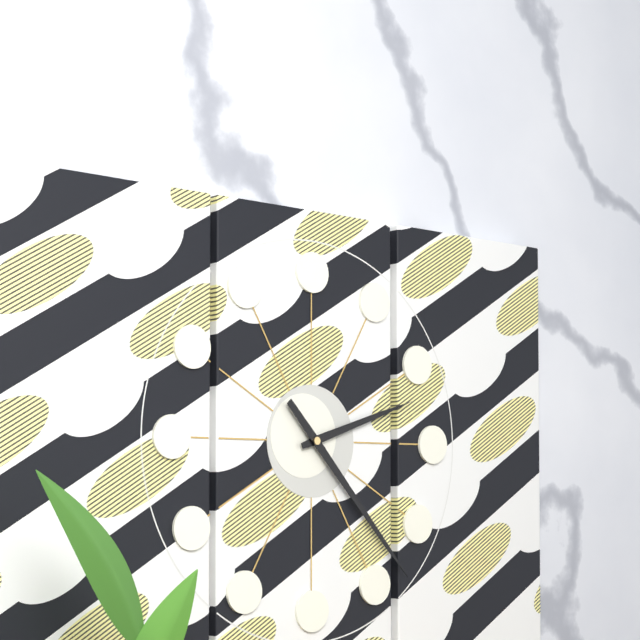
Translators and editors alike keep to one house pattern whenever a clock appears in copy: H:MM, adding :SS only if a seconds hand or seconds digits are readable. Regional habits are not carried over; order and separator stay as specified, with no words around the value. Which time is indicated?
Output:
2:23
